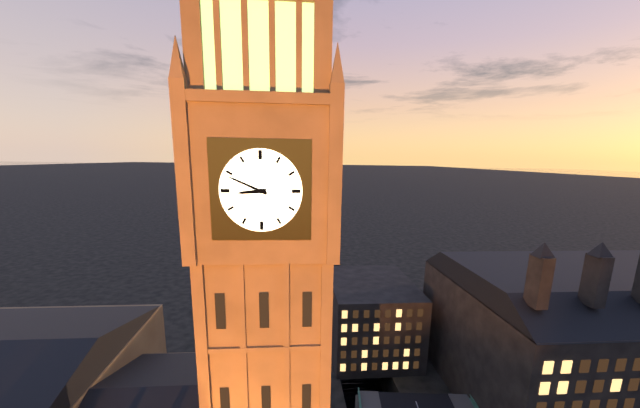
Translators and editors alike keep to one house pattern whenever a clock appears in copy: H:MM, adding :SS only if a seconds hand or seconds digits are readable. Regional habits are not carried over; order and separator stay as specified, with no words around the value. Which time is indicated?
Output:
8:49
